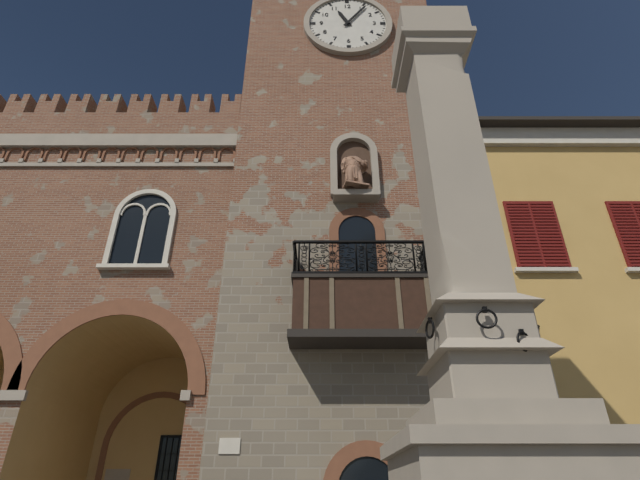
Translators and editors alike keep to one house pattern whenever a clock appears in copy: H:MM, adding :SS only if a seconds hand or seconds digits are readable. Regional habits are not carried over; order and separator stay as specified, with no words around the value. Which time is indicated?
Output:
11:06
